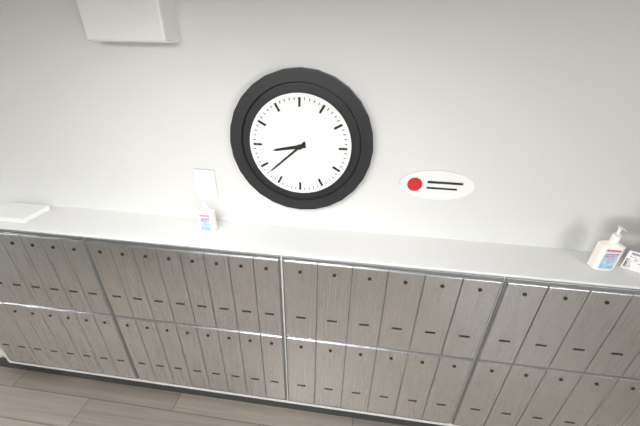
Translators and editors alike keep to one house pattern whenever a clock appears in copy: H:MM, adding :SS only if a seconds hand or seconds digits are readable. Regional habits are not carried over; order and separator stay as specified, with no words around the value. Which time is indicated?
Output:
8:38
